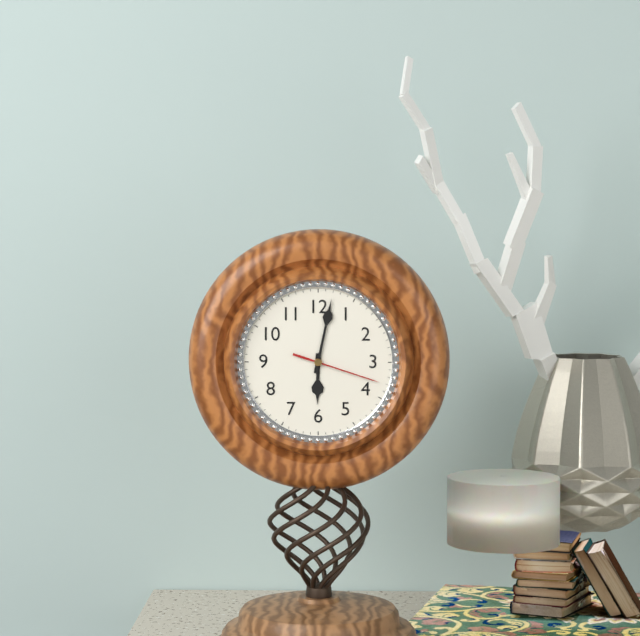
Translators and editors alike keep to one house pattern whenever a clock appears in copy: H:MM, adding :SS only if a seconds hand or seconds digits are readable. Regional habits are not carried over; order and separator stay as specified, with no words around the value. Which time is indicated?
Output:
6:02:18
